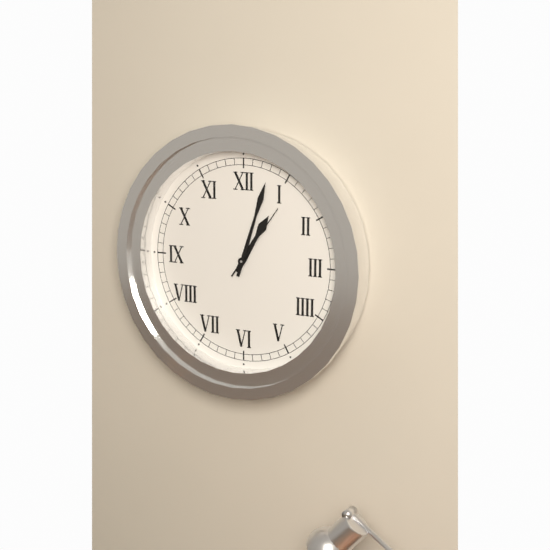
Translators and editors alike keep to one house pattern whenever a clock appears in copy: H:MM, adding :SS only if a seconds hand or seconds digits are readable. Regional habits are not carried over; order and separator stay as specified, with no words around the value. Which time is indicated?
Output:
1:03:06
